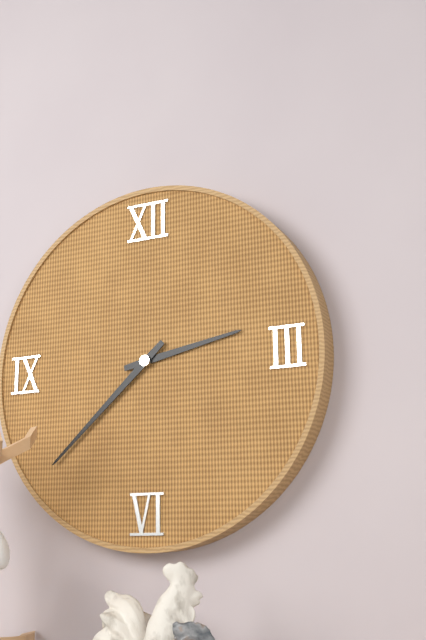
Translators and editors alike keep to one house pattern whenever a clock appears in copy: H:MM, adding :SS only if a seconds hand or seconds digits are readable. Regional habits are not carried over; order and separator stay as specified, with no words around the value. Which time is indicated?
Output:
2:38
